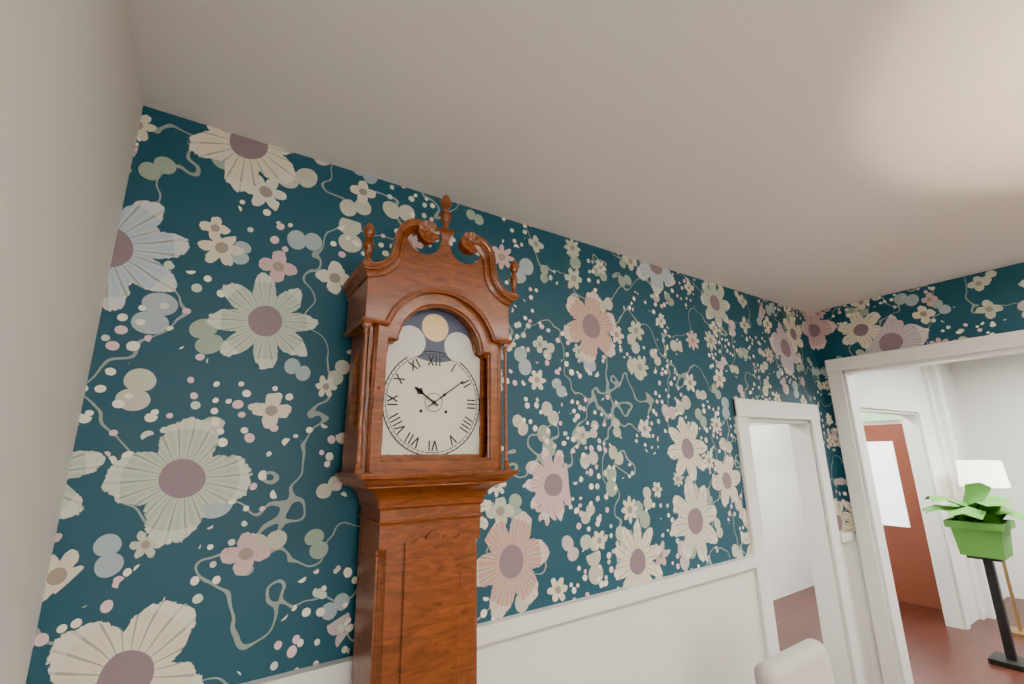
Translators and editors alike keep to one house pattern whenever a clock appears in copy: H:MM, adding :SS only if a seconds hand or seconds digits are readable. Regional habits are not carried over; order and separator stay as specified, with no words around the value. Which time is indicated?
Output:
10:09
